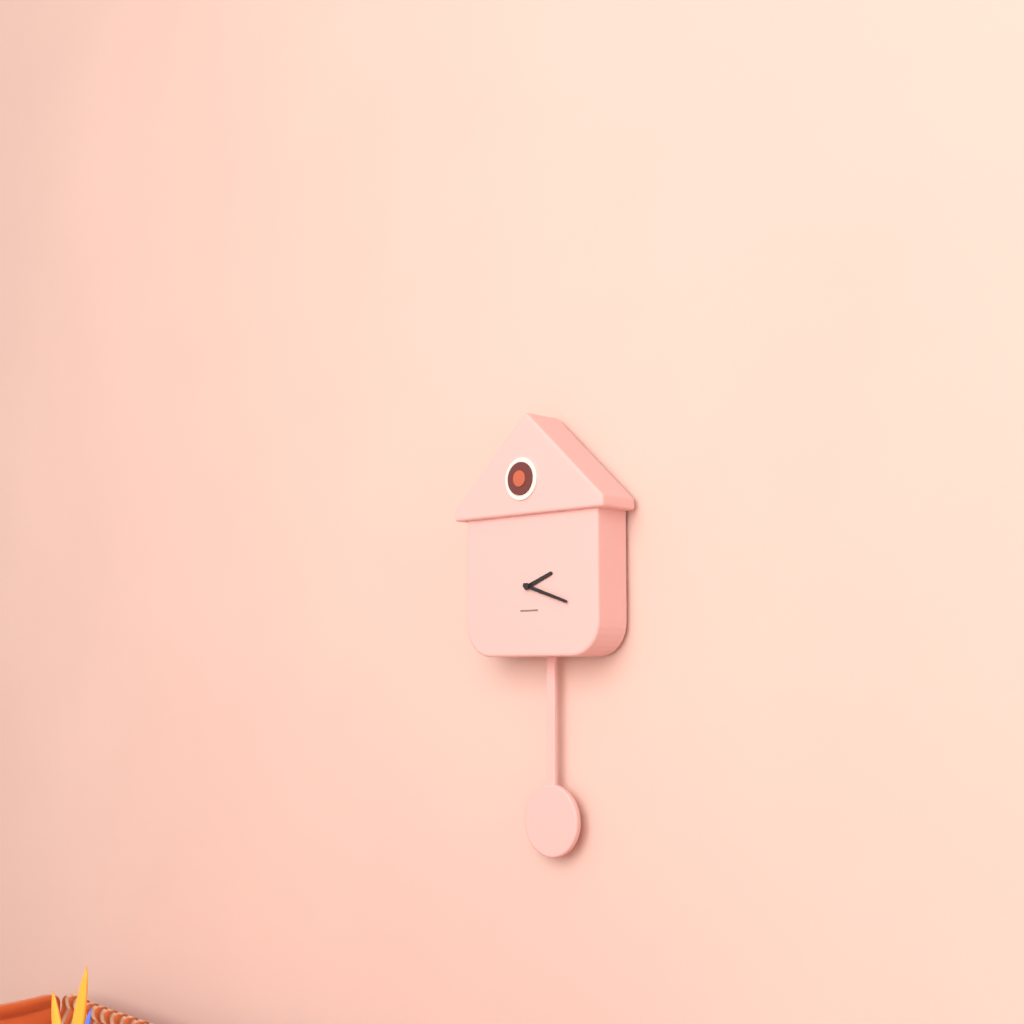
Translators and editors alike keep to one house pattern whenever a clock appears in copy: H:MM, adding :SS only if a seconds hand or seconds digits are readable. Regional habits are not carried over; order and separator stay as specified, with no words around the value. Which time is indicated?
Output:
2:18
